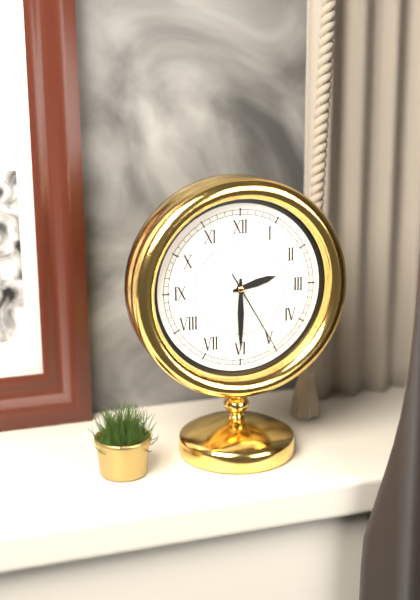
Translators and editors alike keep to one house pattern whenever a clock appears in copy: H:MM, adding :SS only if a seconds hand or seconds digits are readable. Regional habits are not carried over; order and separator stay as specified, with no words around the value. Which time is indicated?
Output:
2:30:25
